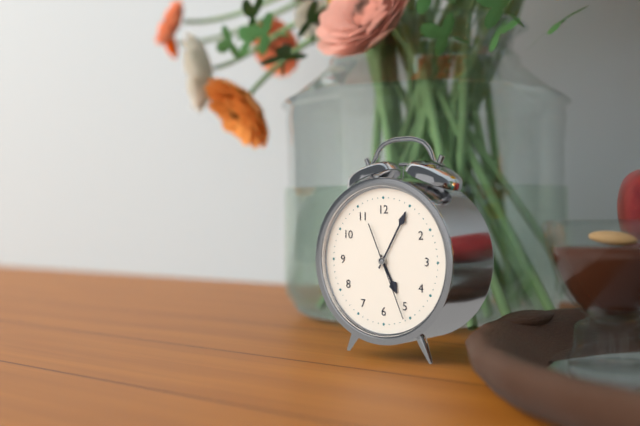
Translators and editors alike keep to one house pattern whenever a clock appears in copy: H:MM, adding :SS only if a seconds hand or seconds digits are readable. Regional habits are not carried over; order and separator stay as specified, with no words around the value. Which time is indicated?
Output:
5:05:26
